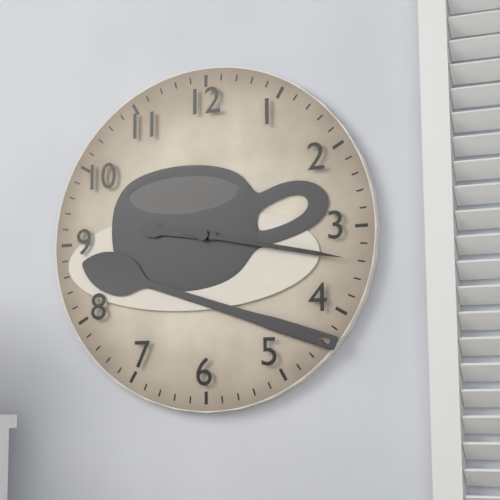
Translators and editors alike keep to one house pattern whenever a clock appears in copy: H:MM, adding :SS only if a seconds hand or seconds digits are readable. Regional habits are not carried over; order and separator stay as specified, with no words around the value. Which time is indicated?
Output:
9:17
